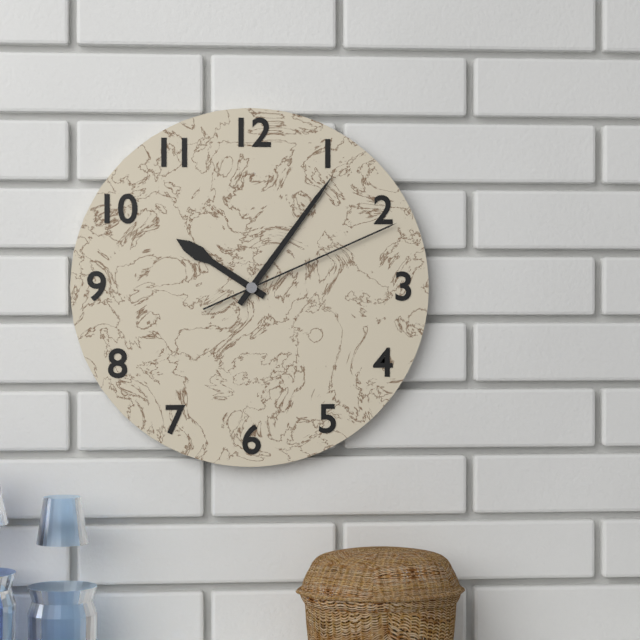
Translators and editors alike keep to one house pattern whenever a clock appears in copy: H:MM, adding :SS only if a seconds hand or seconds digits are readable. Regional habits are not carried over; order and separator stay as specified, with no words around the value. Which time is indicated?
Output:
10:06:11
